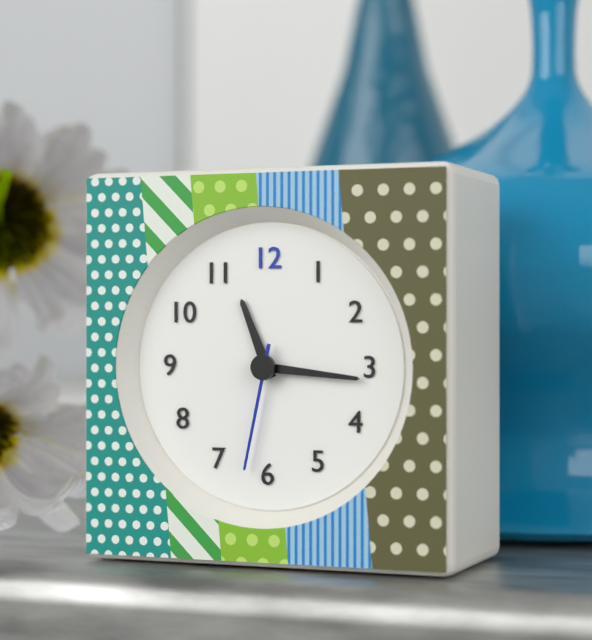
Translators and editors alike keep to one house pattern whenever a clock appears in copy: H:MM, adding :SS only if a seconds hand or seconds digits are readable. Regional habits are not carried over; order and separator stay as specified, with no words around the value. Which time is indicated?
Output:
11:16:32
